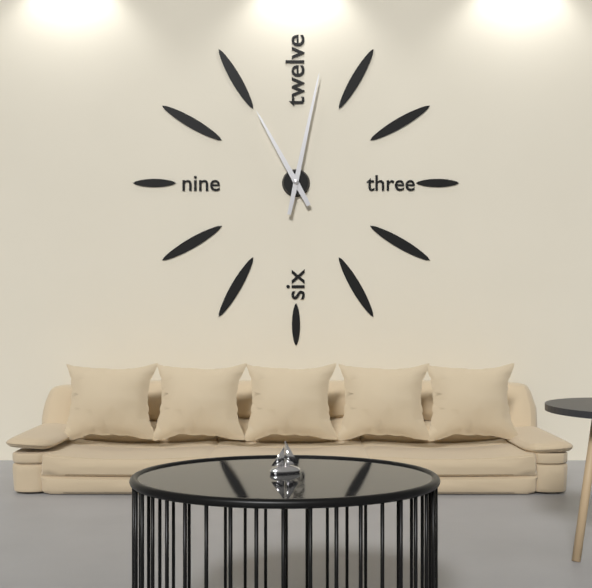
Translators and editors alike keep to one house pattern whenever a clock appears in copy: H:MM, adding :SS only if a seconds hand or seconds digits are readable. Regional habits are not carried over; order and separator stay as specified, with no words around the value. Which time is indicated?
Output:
11:02
